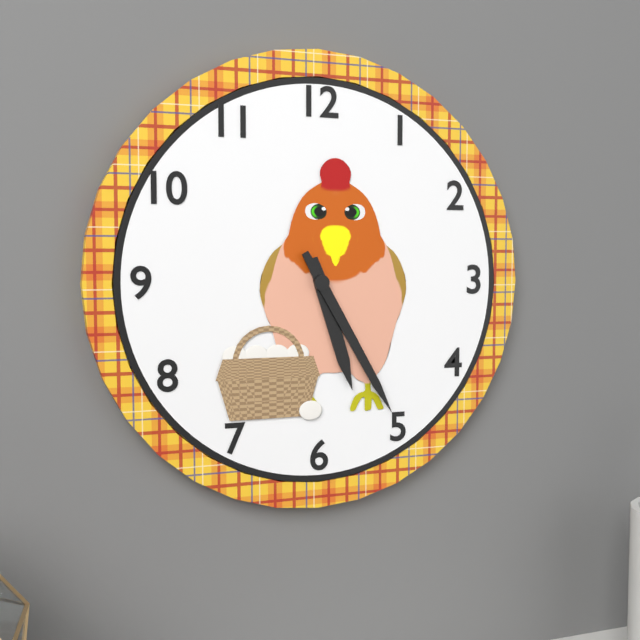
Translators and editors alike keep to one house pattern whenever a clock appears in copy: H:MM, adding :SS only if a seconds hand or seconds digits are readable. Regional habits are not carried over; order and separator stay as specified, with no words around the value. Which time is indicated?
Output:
5:25
